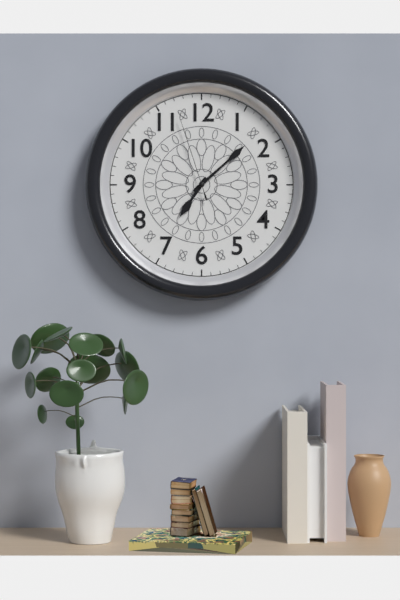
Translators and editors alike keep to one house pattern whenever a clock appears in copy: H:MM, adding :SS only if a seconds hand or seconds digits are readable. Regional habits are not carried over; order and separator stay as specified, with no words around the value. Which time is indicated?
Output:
7:08:57
